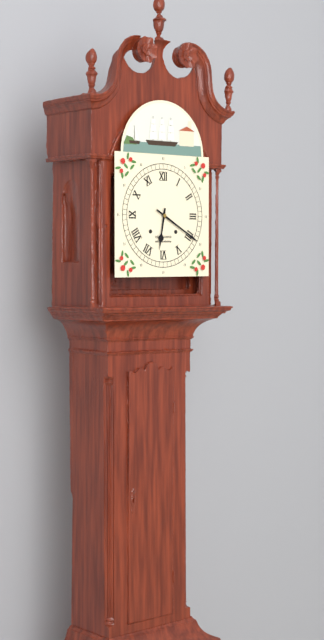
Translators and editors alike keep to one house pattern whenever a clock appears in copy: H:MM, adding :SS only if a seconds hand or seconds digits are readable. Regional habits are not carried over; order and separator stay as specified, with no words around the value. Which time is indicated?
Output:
6:20
